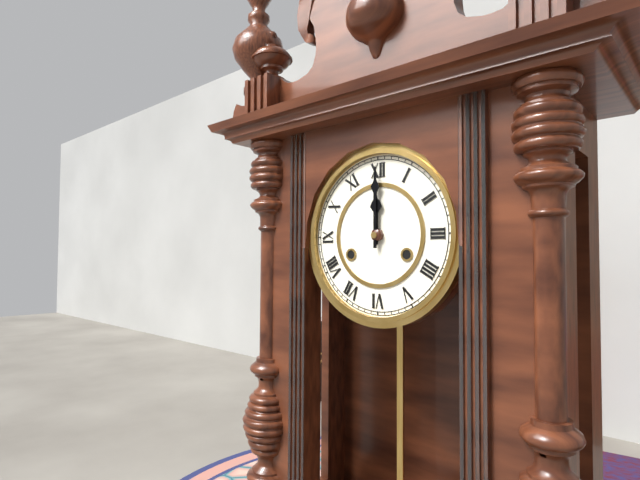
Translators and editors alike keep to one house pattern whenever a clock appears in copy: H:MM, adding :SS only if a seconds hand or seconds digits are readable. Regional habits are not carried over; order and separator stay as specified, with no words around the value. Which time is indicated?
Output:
12:00
